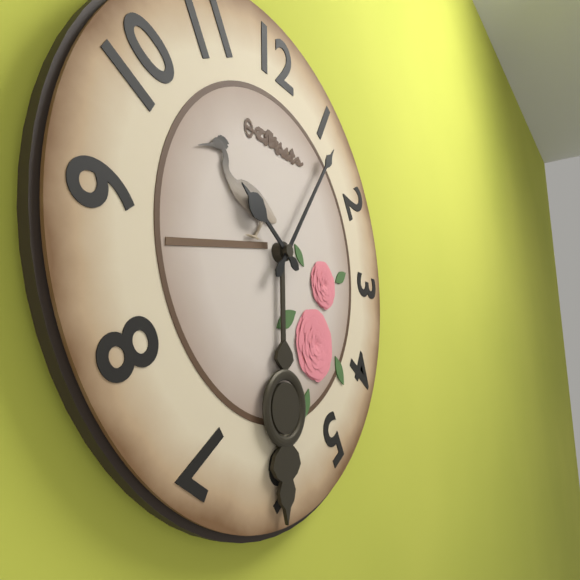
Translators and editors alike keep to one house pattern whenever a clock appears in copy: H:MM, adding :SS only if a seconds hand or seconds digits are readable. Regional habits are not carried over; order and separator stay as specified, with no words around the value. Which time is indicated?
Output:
10:06
